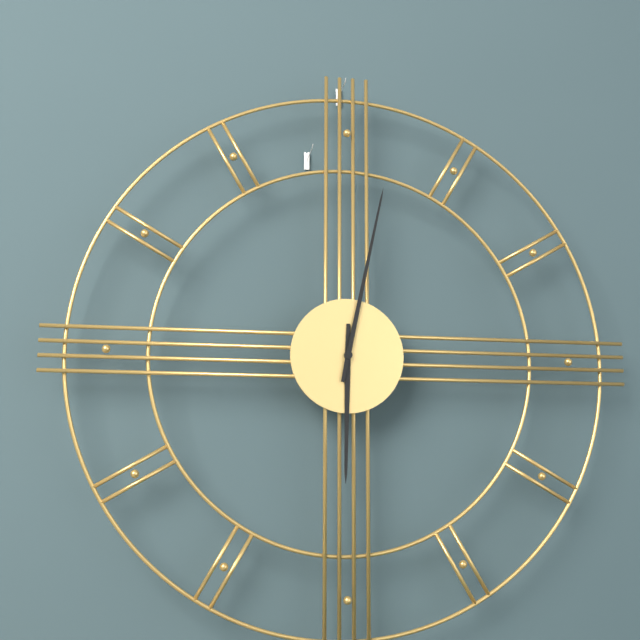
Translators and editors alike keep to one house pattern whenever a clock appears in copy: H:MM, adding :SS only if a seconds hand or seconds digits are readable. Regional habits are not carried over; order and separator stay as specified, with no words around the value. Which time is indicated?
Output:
6:02
